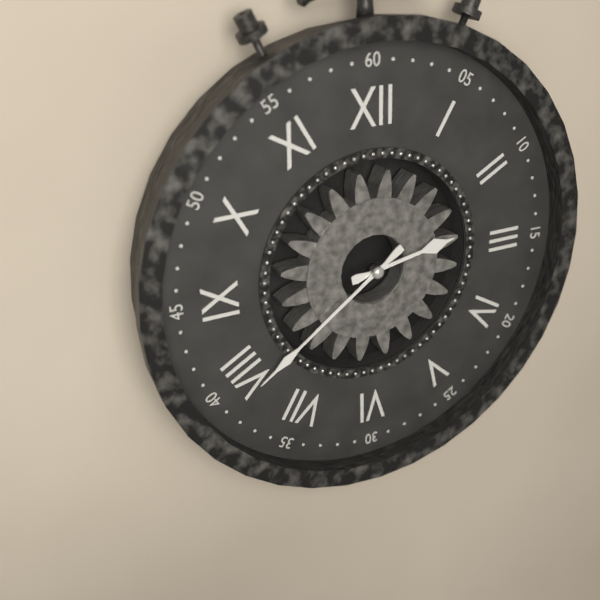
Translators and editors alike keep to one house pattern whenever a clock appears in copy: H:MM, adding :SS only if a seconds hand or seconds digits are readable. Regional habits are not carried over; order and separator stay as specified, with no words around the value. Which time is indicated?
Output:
2:39
